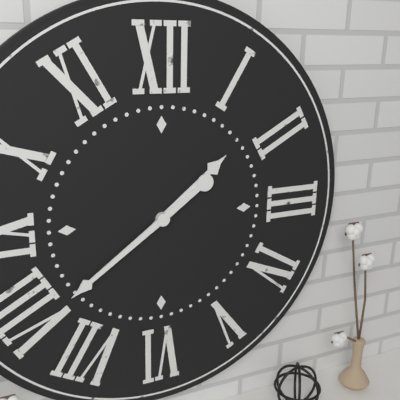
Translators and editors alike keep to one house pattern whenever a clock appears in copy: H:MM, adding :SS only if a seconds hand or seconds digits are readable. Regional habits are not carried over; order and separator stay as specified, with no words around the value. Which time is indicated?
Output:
1:39
